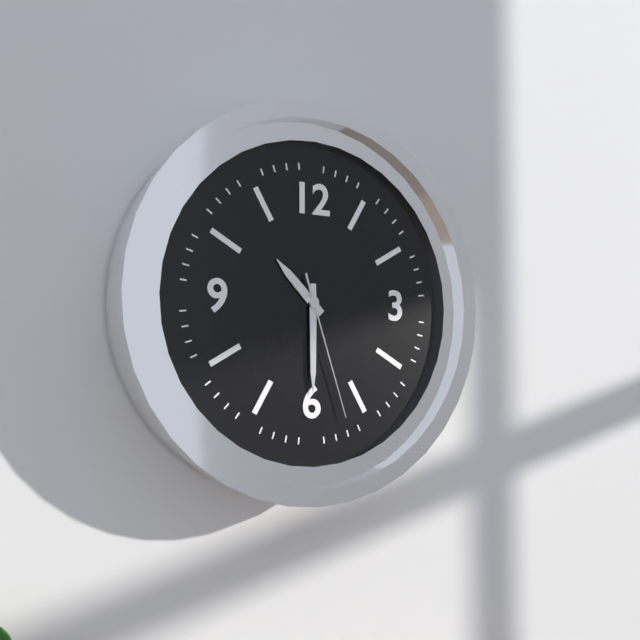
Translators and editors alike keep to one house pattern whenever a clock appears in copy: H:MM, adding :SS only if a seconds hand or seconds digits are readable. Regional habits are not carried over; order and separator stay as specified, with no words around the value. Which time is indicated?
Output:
10:30:27
